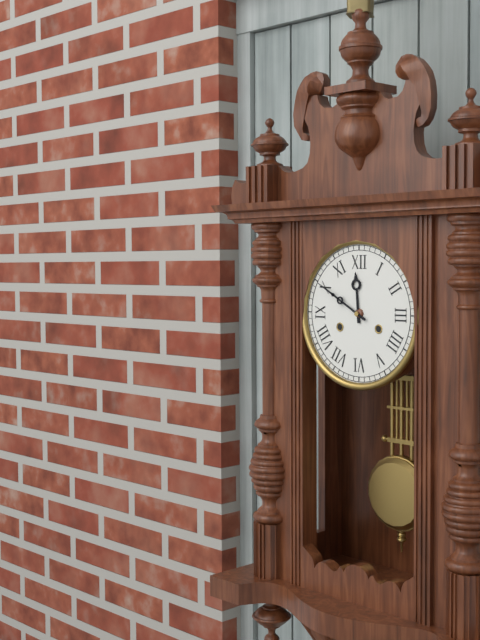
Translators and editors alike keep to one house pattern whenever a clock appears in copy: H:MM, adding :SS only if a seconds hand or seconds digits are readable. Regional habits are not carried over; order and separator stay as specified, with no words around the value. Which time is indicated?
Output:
11:50
